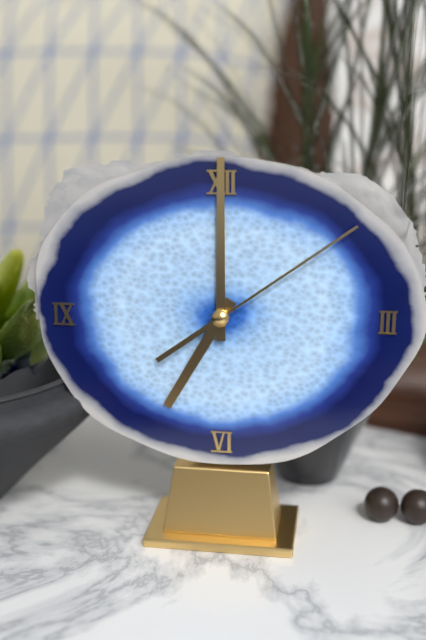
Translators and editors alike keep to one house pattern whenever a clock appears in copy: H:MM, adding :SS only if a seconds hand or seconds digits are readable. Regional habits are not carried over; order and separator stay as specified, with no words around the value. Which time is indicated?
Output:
7:00:09
